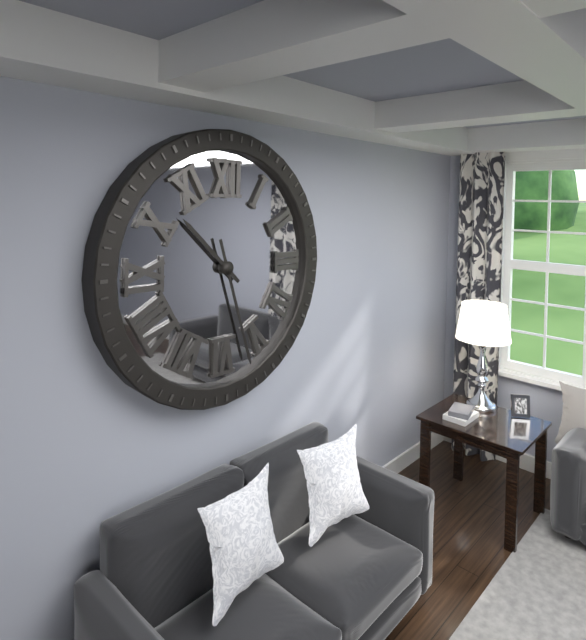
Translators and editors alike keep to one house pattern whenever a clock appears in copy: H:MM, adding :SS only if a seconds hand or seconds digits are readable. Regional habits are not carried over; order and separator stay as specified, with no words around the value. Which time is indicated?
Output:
10:27
